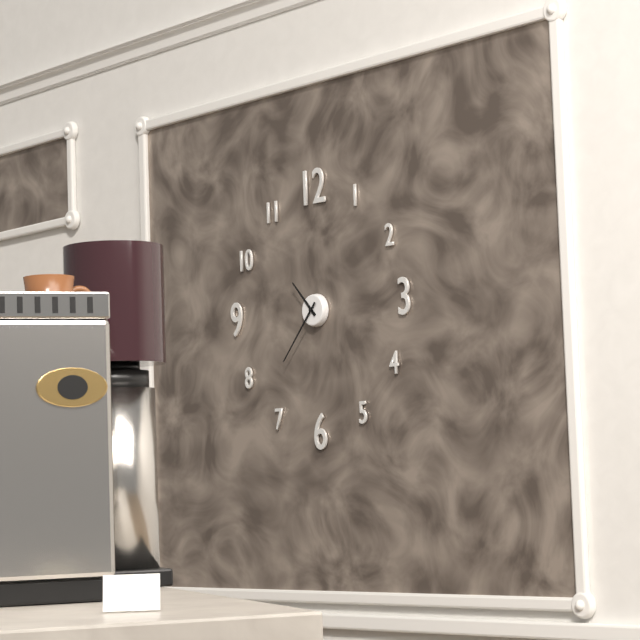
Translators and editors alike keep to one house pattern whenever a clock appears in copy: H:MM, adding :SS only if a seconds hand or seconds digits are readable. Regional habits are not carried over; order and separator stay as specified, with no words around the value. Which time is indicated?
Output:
10:37
